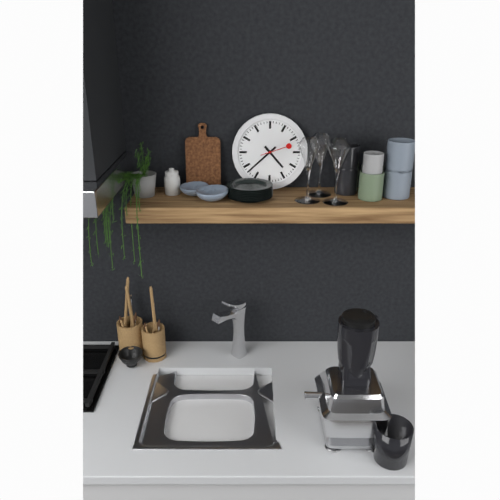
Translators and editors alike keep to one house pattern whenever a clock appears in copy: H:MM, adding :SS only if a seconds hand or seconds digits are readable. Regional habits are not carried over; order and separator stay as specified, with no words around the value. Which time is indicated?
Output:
4:38
